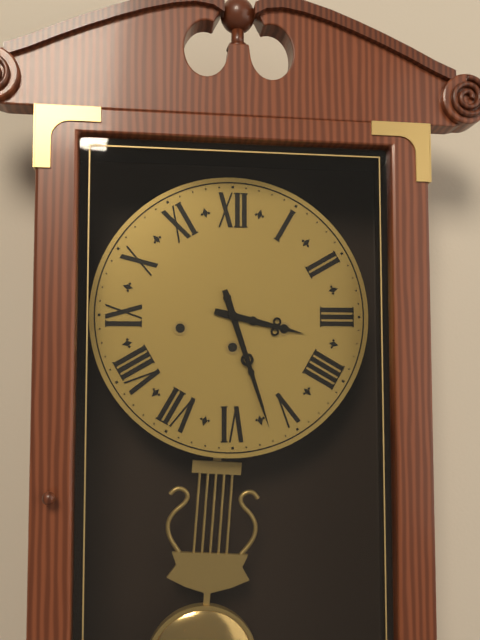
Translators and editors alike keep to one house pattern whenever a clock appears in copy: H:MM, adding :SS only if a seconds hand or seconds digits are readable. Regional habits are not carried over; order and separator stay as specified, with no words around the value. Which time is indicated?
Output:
3:27
